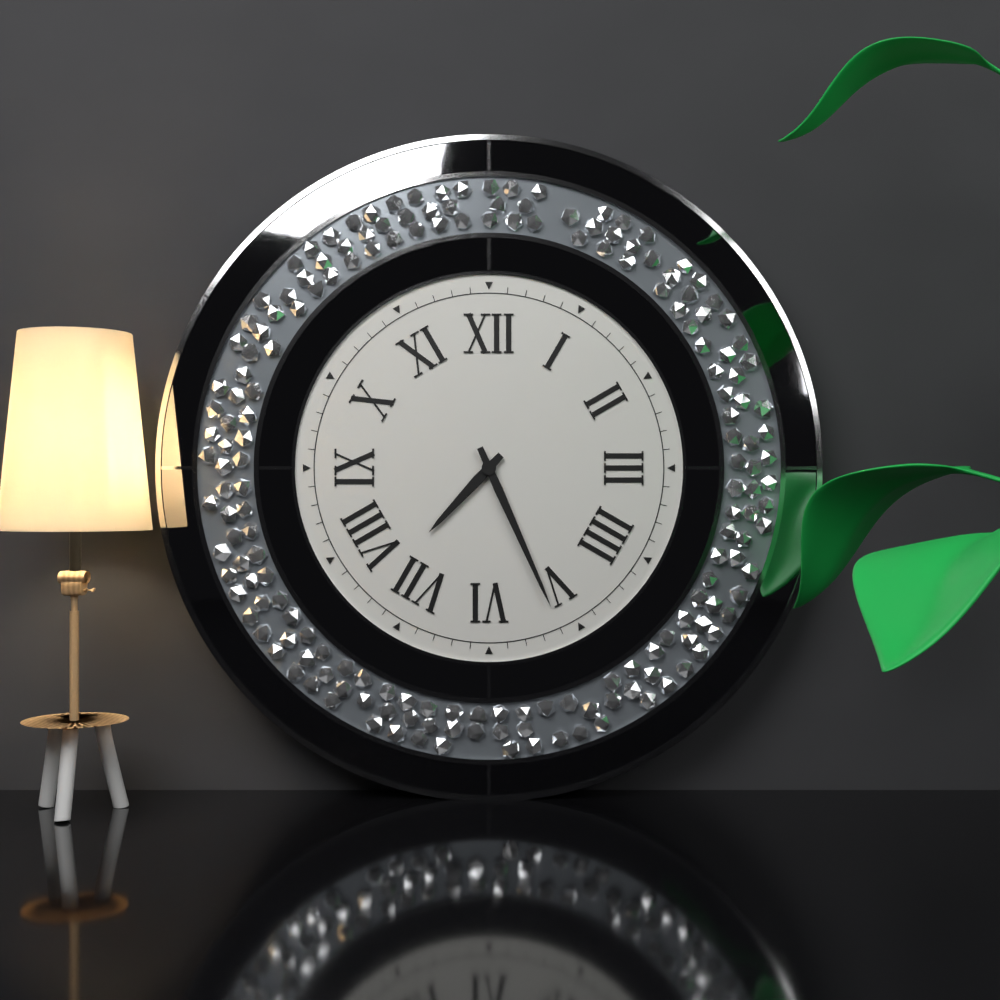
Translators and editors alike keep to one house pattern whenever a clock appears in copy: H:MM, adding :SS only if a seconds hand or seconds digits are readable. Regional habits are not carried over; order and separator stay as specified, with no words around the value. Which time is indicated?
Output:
7:26
